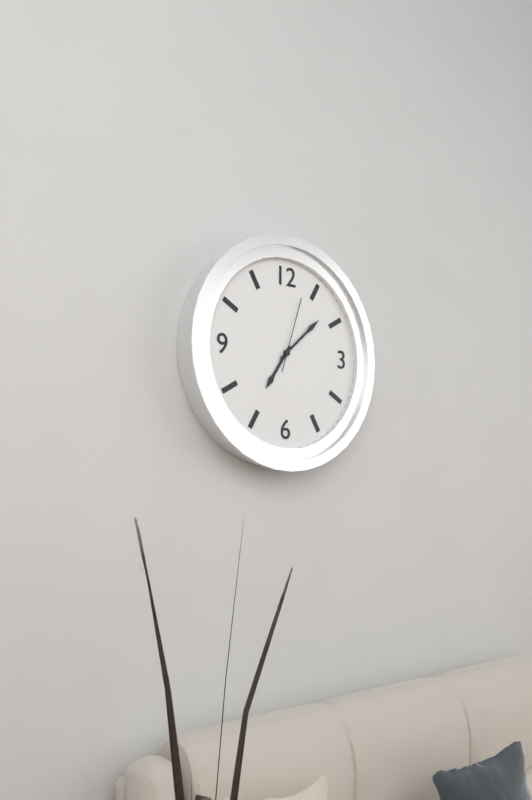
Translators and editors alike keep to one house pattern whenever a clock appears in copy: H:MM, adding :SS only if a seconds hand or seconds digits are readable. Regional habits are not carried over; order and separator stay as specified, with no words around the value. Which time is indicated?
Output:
7:08:03
